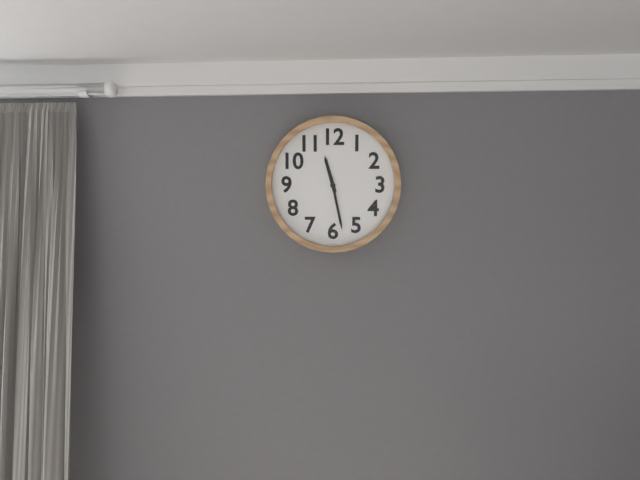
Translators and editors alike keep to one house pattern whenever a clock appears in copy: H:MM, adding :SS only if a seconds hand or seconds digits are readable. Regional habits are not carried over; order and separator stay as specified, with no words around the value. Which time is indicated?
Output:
11:28
